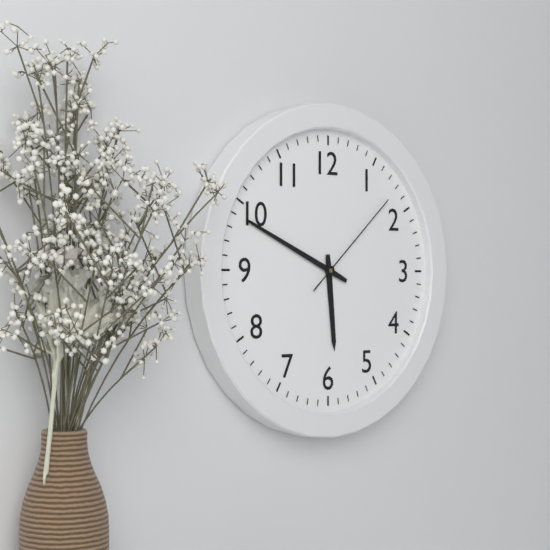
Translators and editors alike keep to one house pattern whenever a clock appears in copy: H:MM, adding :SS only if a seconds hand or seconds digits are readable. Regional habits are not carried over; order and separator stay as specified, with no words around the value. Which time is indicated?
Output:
5:49:08
